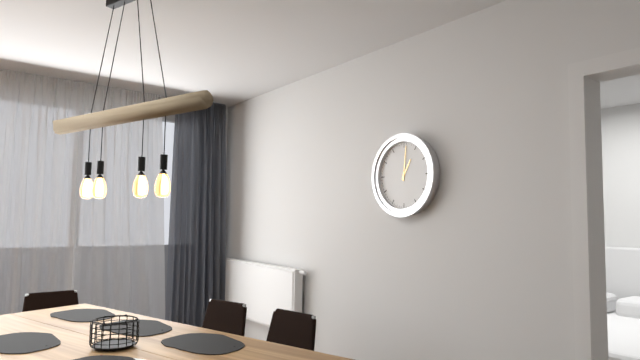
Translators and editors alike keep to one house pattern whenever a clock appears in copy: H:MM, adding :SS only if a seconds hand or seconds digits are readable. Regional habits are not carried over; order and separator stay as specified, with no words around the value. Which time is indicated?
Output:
1:01
